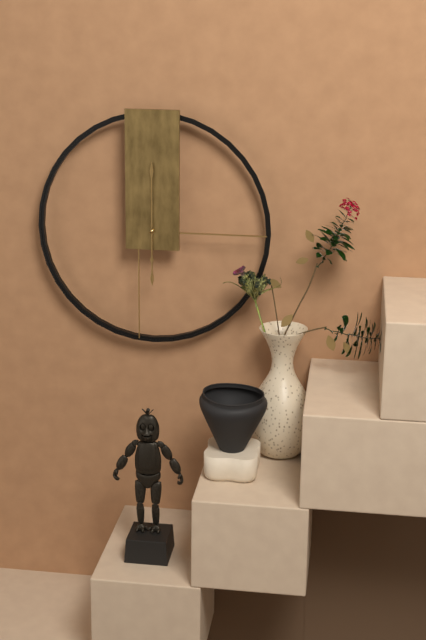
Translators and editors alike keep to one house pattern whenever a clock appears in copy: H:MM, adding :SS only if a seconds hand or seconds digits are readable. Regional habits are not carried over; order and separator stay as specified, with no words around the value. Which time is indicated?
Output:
6:00
